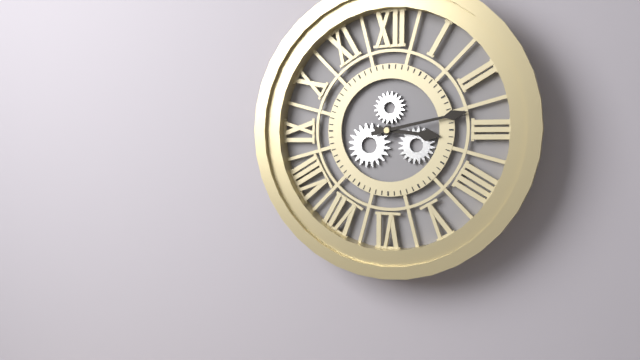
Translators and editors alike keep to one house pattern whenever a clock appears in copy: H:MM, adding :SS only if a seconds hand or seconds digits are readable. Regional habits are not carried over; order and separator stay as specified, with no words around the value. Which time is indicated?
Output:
3:13
